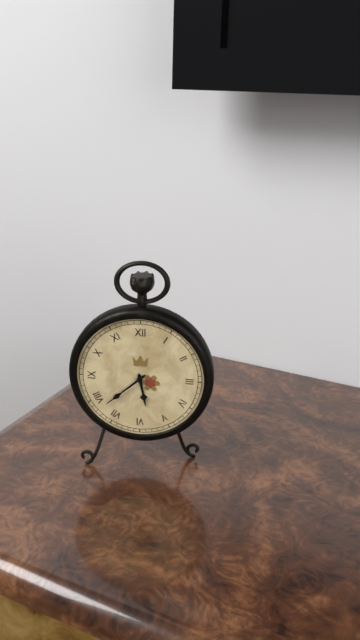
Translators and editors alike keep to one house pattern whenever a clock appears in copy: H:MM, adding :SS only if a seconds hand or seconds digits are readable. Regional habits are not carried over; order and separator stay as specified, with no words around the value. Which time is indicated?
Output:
5:38
